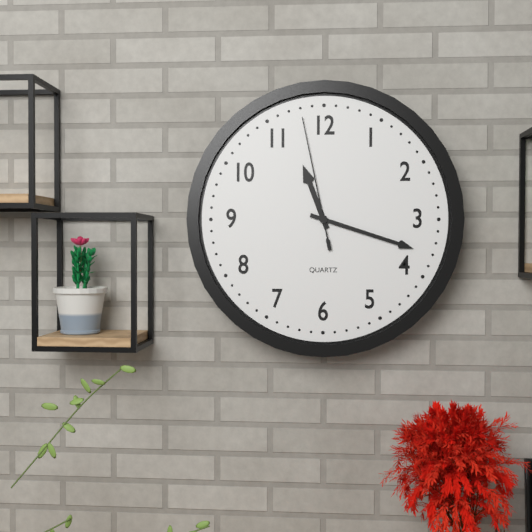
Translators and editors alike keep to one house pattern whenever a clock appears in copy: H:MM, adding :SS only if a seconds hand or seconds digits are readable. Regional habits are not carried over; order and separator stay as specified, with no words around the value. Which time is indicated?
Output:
11:18:58
